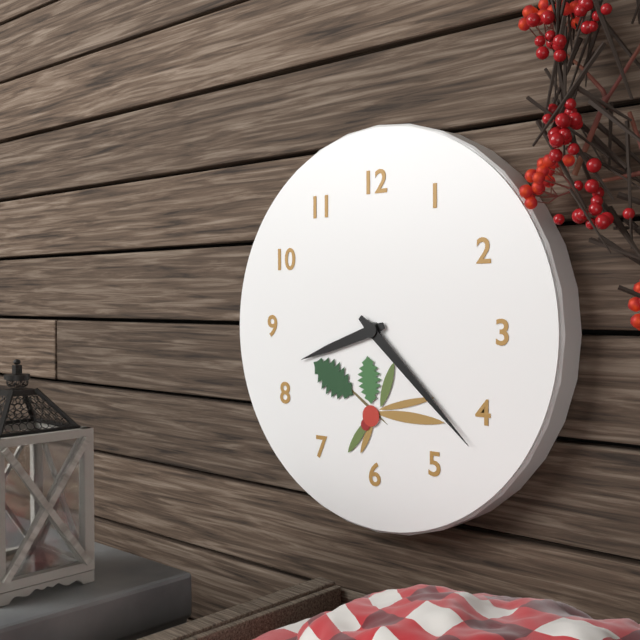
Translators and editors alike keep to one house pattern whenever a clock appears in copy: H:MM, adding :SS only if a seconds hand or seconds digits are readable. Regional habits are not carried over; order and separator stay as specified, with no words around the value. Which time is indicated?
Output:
8:22
